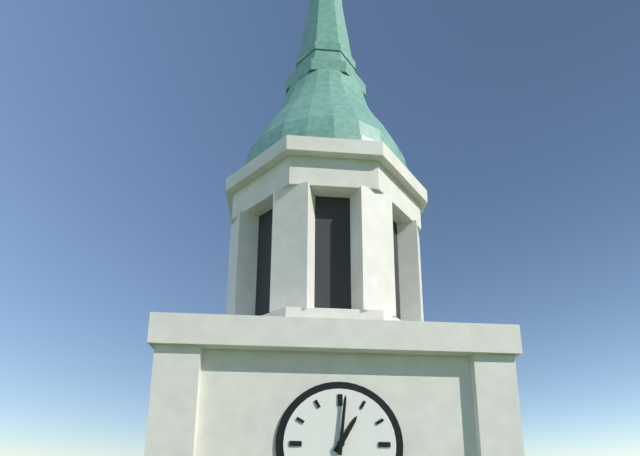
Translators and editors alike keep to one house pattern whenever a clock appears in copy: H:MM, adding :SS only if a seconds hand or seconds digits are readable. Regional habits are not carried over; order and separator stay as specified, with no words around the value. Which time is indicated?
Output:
1:01
